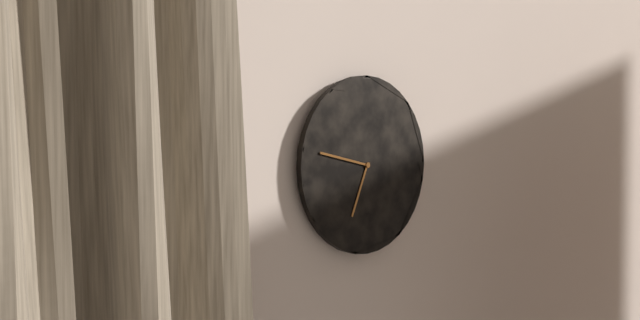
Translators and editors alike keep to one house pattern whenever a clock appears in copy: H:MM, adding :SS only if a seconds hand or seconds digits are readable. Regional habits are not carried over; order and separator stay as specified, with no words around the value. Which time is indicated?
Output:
6:47
